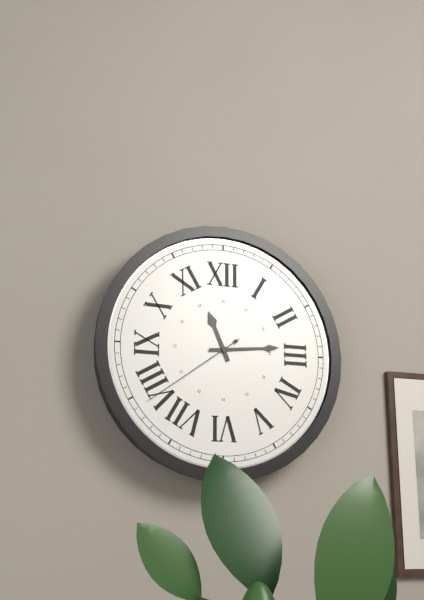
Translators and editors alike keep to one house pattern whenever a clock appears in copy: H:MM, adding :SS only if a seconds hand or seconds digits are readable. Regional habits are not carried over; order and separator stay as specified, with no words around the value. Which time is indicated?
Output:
11:14:39
